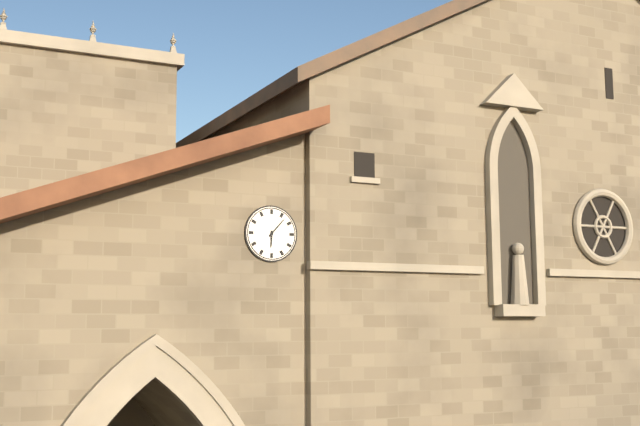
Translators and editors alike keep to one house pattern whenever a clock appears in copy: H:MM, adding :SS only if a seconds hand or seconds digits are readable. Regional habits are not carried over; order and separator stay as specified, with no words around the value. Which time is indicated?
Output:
6:07
